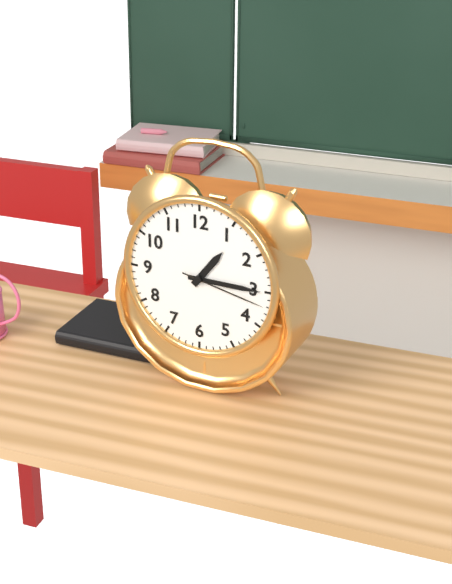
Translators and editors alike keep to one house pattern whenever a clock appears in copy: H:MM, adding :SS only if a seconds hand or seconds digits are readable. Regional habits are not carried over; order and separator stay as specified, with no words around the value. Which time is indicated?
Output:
1:15:17
